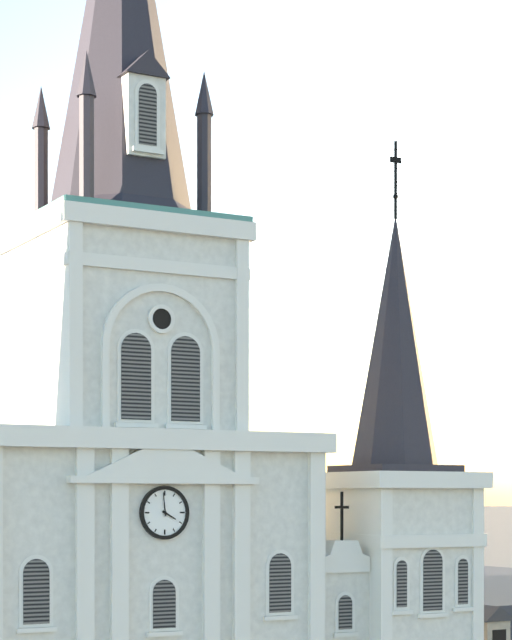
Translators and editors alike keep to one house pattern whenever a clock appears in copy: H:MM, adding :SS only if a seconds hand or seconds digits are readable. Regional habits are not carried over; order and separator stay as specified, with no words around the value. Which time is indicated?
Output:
3:59
